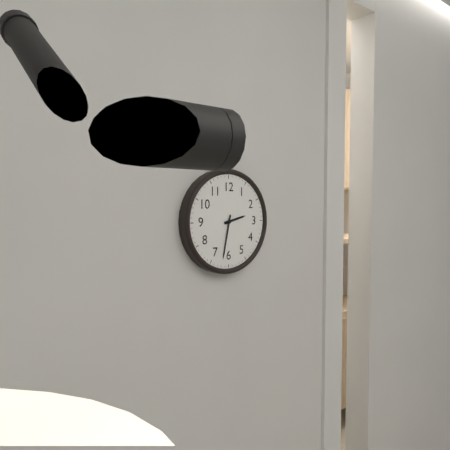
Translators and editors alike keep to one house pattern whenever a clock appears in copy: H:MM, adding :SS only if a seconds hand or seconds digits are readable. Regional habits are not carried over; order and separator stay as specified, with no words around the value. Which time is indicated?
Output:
2:32
